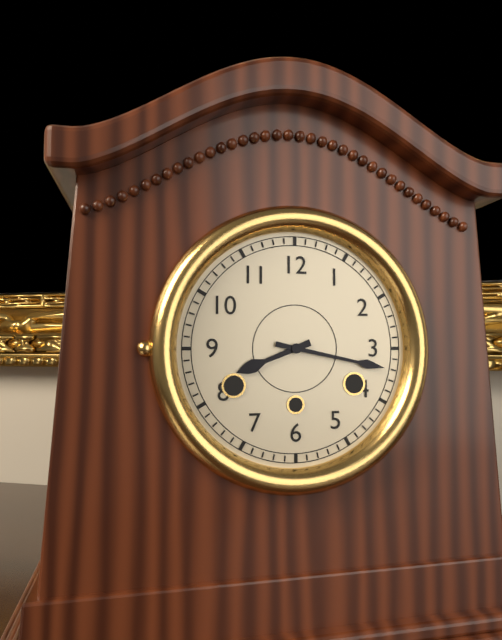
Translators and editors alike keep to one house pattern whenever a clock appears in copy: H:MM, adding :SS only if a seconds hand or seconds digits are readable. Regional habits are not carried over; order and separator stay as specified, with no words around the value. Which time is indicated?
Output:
8:17
